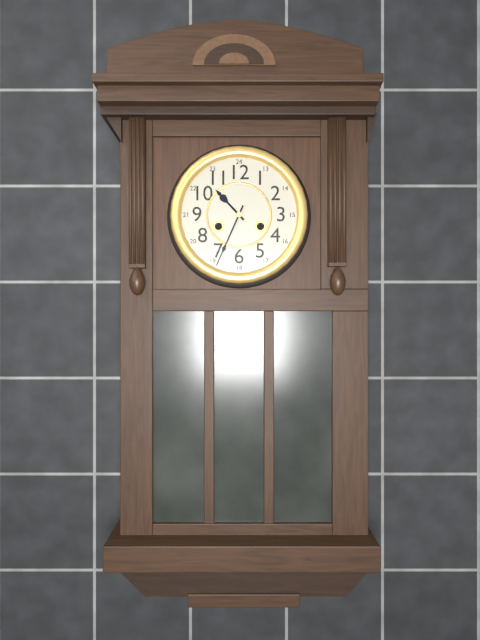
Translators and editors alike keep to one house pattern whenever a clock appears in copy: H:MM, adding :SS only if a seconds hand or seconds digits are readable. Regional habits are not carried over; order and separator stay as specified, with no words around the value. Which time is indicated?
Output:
10:34
